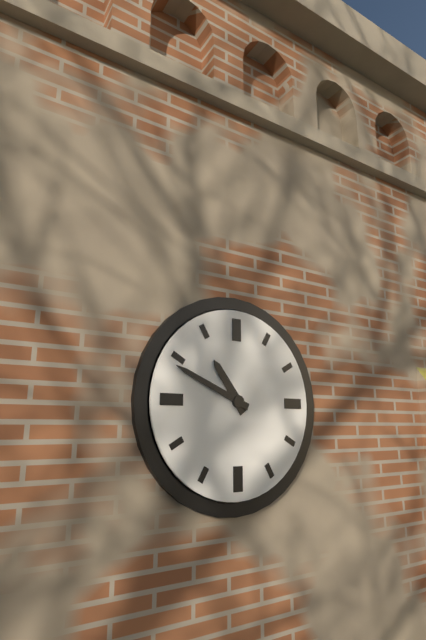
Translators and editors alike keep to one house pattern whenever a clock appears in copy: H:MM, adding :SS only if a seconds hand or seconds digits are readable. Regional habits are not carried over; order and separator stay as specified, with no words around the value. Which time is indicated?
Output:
10:49
